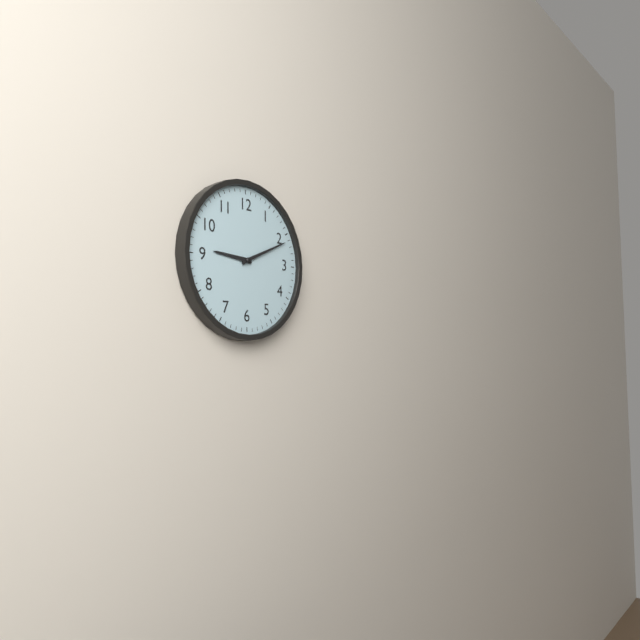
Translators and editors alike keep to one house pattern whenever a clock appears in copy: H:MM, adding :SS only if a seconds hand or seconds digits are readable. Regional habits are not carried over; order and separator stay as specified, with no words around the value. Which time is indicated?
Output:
9:11
